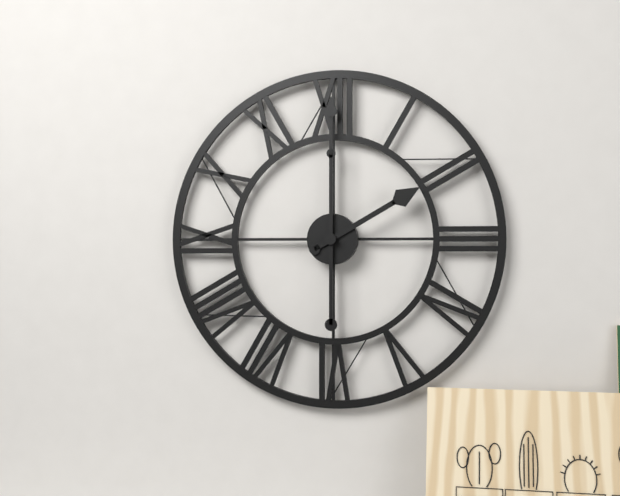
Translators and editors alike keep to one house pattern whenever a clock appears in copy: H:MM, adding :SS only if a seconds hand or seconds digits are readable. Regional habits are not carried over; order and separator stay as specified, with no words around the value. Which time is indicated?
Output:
2:00
